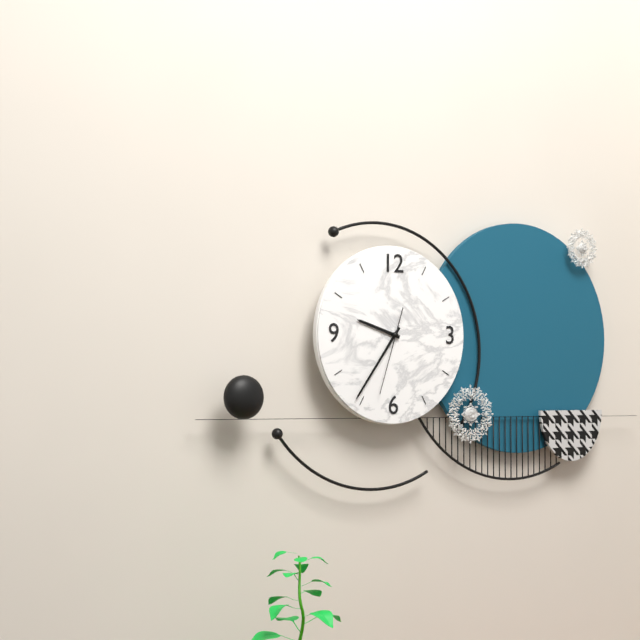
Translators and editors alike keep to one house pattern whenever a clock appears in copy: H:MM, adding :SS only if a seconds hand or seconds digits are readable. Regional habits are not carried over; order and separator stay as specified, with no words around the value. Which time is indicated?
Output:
9:36:33
